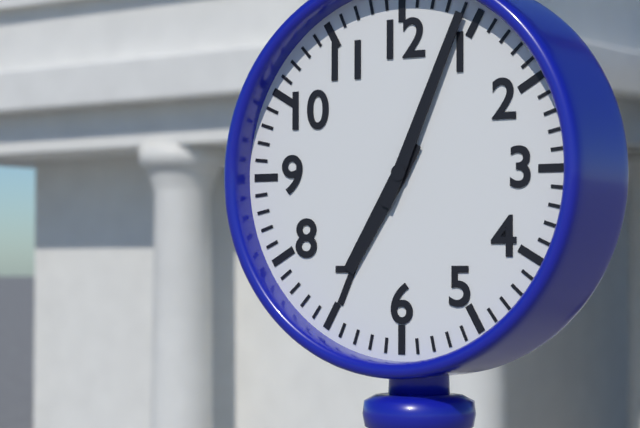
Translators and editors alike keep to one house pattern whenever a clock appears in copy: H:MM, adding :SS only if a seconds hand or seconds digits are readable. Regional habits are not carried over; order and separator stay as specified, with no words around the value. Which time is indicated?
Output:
7:04
